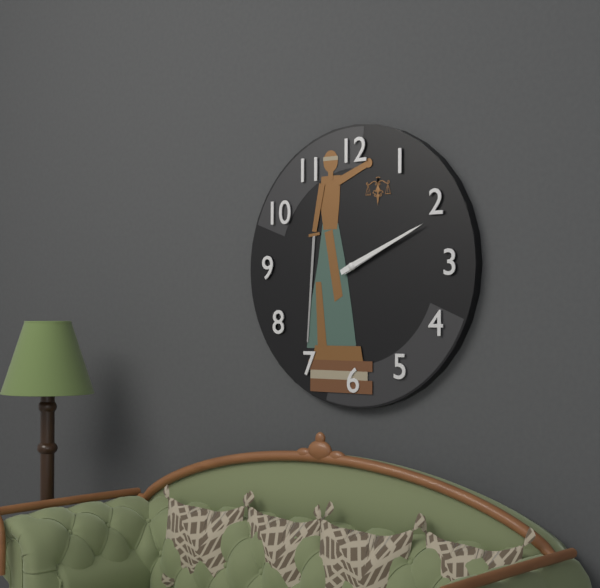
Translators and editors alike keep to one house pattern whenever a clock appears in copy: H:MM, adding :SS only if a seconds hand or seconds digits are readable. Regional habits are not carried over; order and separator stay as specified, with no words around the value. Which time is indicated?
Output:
2:11
